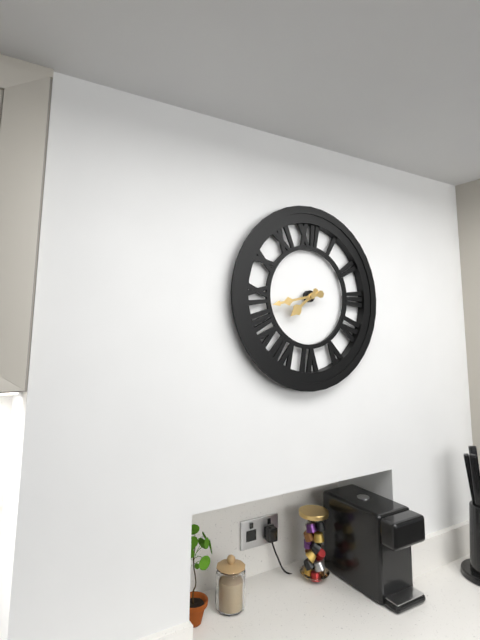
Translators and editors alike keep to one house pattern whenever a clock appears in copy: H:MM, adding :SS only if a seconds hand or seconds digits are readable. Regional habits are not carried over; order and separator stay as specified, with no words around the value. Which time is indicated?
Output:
7:43
